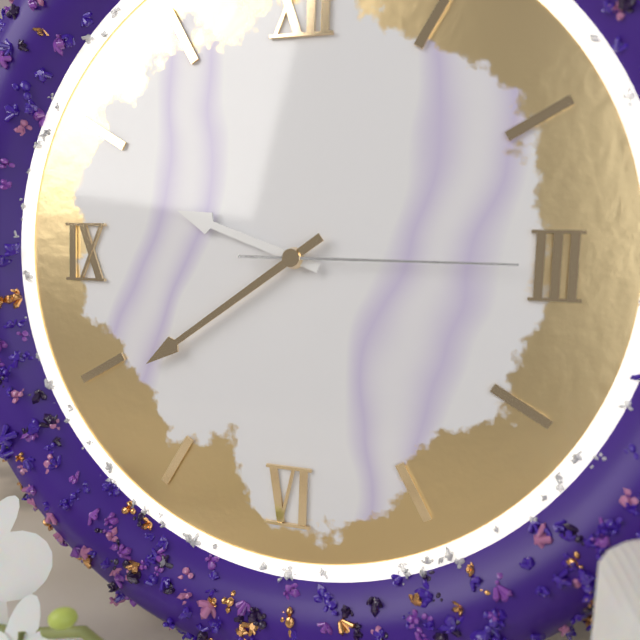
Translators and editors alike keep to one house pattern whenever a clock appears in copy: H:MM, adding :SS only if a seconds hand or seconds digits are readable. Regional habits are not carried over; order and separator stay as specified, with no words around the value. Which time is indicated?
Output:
9:39:15
